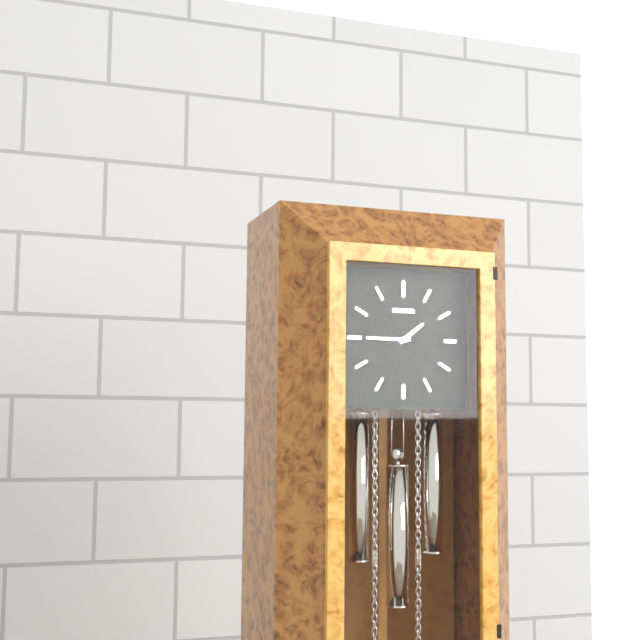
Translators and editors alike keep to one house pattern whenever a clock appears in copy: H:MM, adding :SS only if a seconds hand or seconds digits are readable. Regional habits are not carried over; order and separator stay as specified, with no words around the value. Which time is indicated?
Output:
1:45
